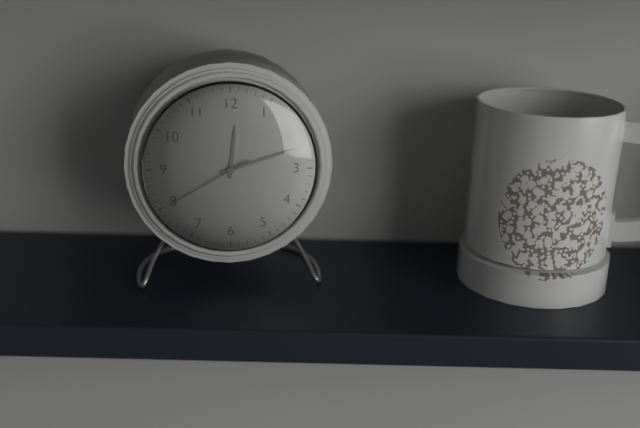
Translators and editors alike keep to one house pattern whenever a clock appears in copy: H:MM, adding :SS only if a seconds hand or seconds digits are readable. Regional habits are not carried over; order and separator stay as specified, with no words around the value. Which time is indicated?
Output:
12:12:40
